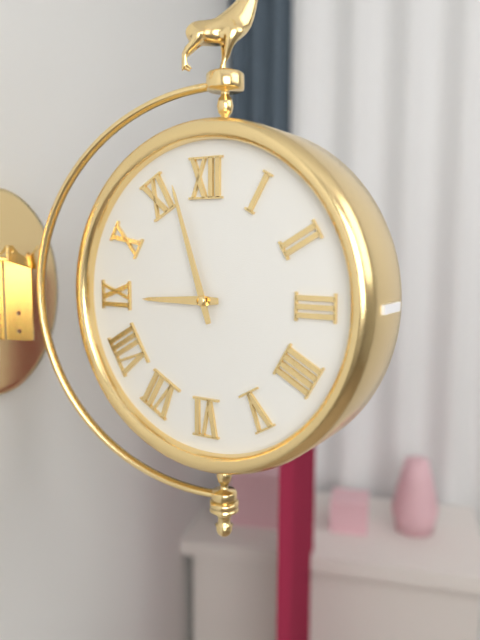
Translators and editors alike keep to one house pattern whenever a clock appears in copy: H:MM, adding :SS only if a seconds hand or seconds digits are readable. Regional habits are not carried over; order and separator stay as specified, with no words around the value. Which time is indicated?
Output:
8:57
